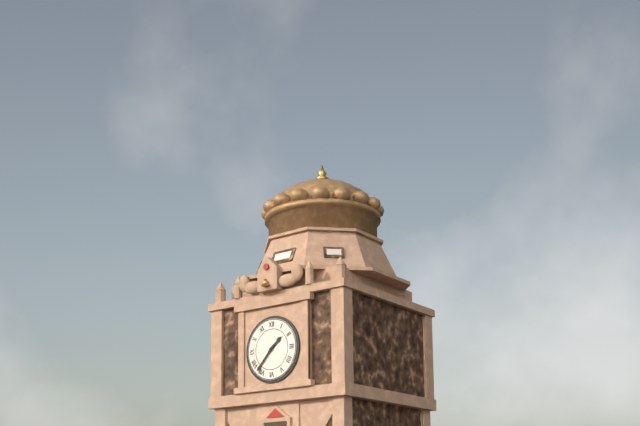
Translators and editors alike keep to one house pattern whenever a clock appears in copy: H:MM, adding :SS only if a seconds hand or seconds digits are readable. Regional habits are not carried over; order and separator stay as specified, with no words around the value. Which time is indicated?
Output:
1:37
